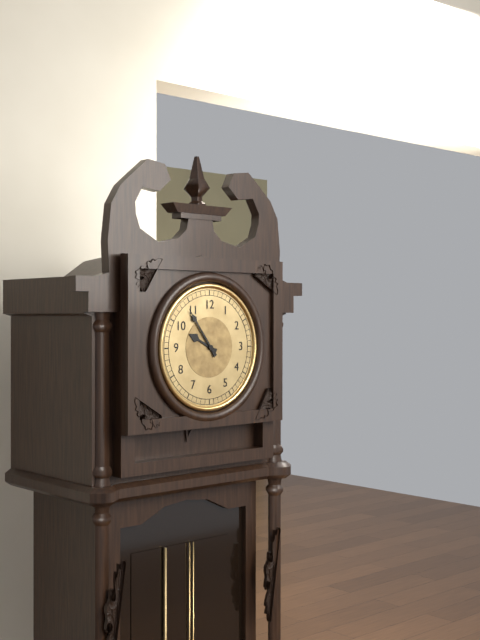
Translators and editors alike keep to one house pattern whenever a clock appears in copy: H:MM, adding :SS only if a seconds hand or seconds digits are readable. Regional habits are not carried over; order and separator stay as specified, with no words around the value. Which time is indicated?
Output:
9:54
